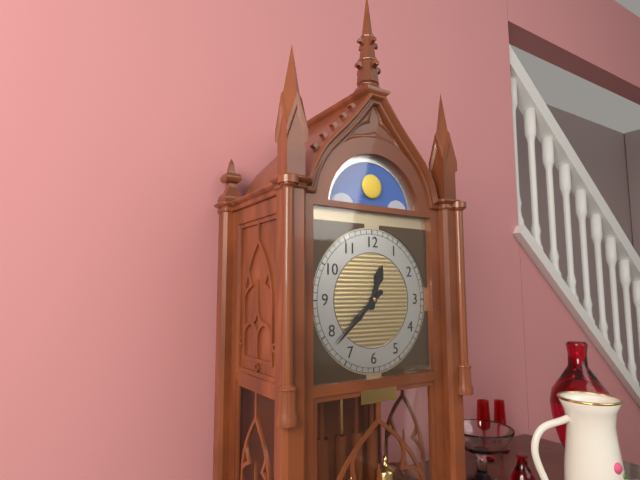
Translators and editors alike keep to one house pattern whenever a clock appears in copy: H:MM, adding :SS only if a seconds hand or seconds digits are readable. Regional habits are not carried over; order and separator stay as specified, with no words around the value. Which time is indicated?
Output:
12:38
